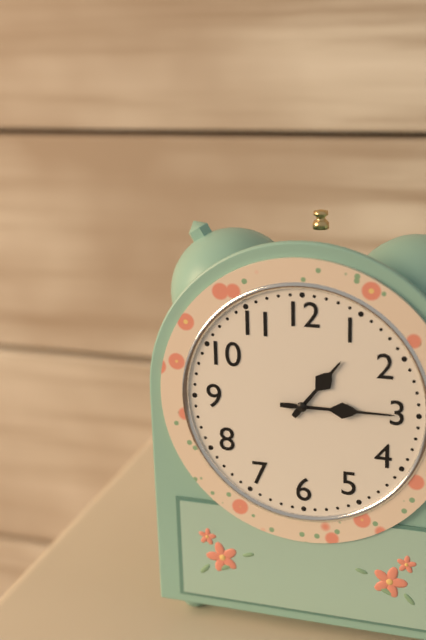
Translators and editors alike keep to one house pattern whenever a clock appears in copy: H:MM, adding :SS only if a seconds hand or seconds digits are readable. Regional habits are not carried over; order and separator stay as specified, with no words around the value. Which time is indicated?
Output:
1:15
